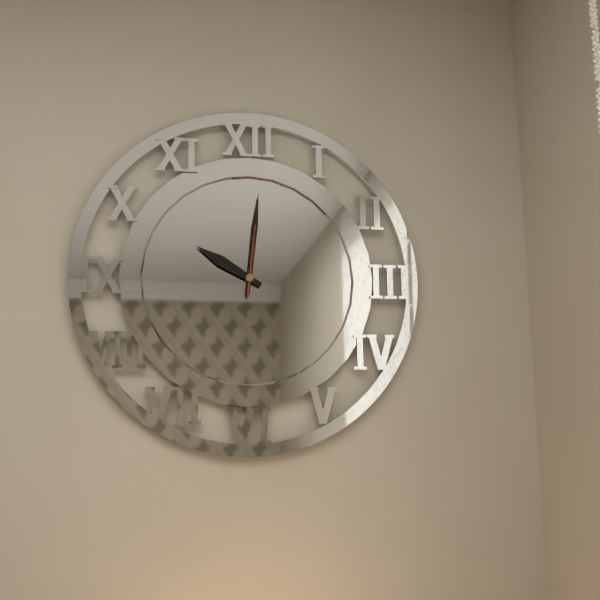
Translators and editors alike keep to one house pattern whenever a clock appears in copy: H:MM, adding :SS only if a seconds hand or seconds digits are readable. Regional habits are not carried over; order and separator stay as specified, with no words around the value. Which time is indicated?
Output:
10:01:01
